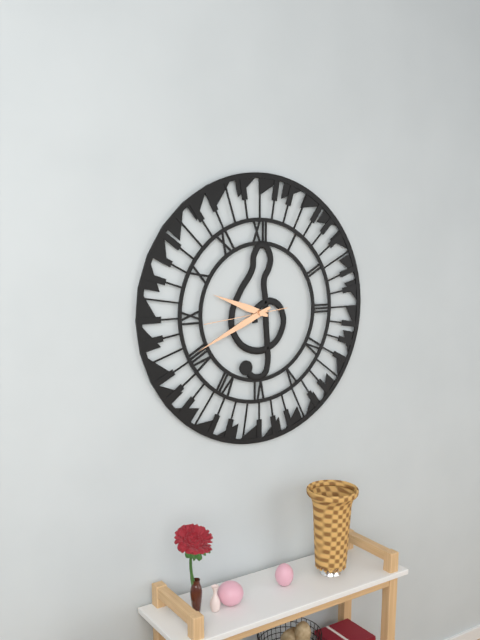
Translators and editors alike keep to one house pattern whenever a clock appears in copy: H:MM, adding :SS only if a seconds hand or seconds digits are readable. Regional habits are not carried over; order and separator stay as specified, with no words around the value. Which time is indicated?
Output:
9:41:44
